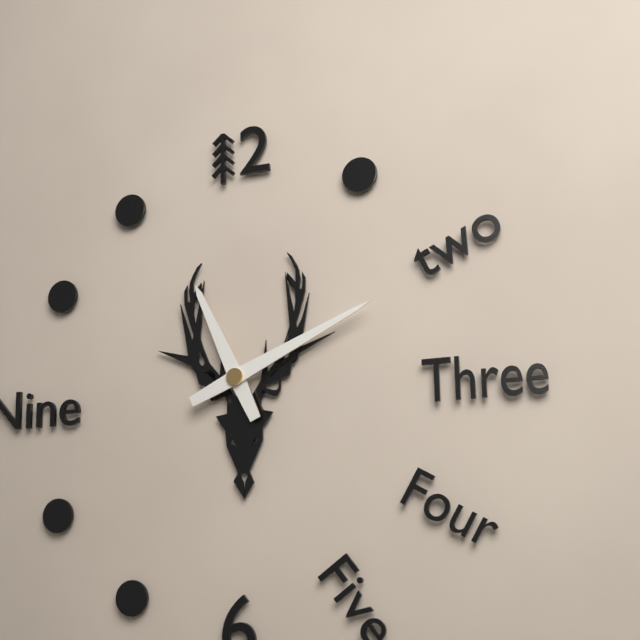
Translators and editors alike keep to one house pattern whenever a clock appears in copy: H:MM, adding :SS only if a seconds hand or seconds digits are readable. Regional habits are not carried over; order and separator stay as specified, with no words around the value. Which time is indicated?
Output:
11:11
